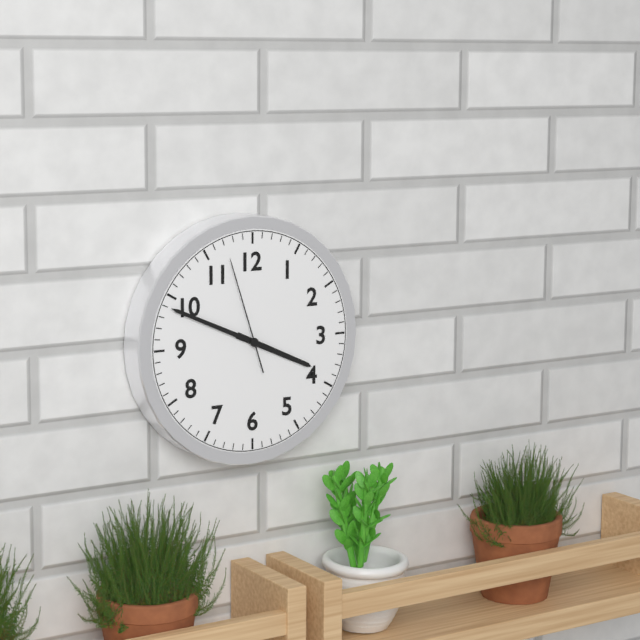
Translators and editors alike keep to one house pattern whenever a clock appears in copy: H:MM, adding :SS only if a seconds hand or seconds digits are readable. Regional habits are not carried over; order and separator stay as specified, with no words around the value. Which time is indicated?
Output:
3:49:57
